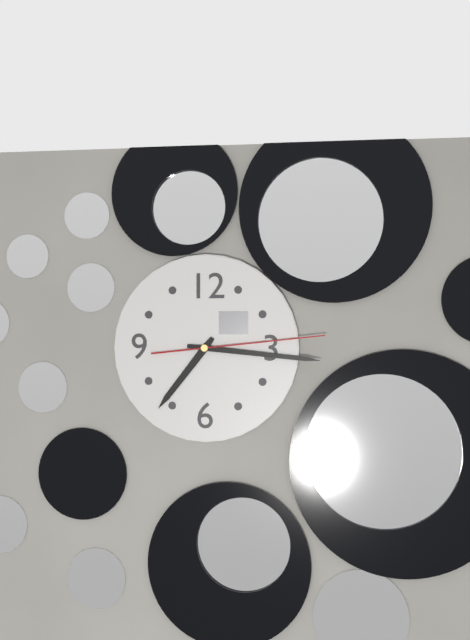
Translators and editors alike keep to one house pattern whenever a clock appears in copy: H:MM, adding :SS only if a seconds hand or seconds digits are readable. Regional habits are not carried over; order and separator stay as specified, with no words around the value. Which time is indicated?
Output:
7:16:14
